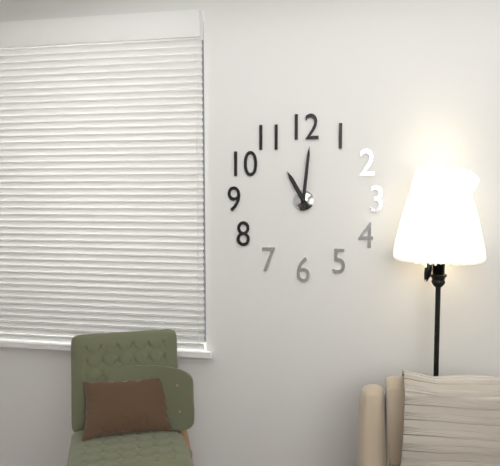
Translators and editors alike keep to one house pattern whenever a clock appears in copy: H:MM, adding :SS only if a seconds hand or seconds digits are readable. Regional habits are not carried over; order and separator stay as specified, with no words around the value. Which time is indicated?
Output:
11:01
